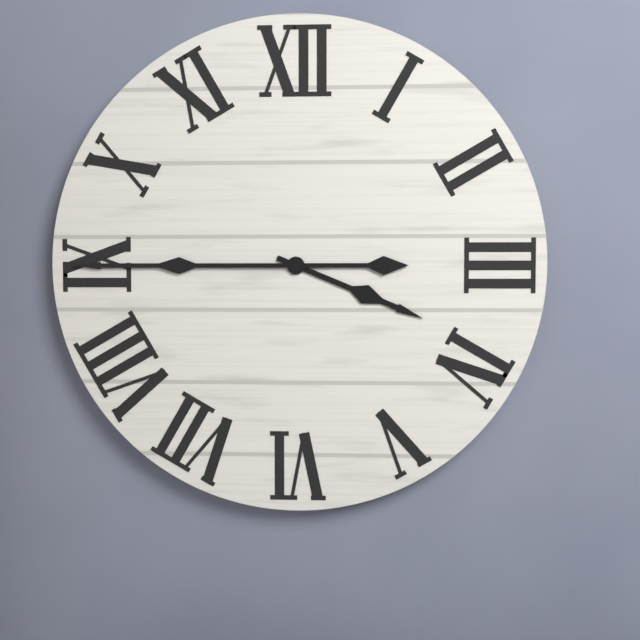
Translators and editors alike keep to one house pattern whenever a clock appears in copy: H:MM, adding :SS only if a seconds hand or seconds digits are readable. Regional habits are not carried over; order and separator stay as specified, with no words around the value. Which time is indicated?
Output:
3:45
